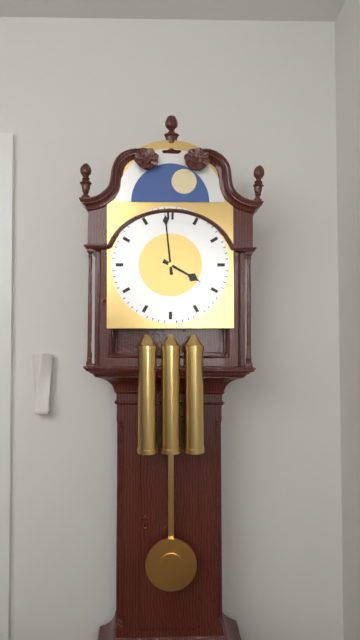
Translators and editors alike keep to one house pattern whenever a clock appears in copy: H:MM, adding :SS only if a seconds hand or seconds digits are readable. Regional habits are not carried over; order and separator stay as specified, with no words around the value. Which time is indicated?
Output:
3:59
